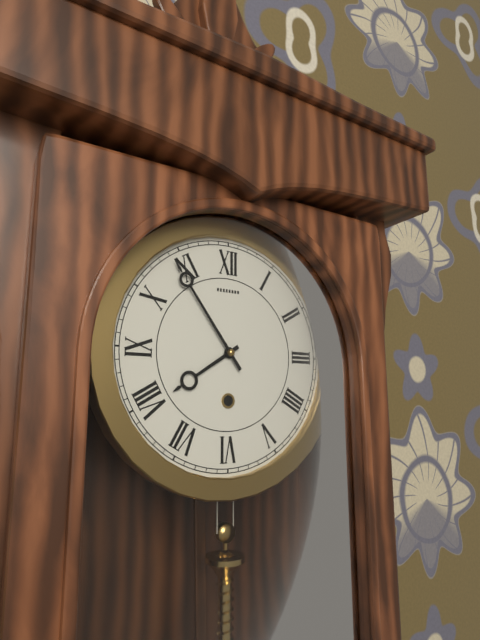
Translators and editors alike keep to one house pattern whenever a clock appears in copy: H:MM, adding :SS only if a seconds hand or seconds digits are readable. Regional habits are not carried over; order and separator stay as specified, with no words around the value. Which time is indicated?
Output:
7:54
